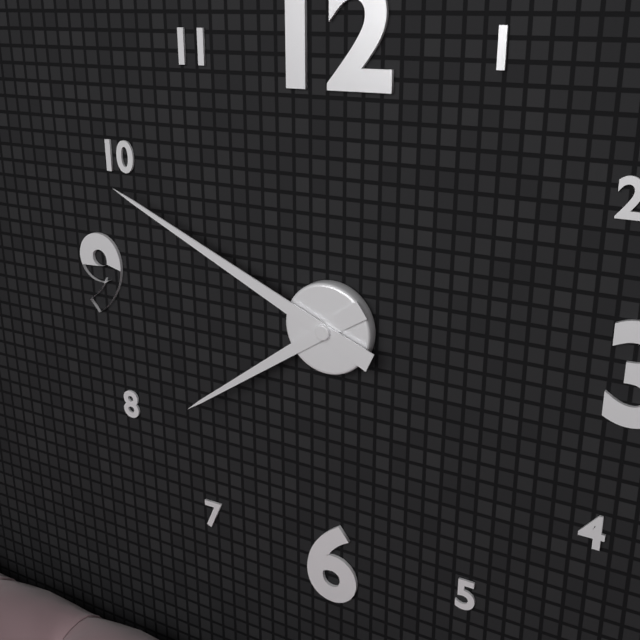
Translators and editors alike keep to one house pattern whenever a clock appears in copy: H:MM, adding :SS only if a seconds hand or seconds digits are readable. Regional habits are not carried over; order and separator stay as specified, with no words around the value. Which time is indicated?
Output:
7:49
